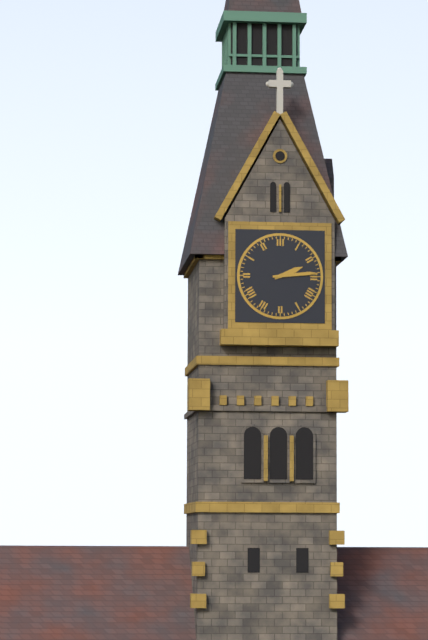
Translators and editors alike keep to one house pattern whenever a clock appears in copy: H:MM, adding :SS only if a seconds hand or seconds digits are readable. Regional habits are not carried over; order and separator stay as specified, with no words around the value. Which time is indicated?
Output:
2:14
